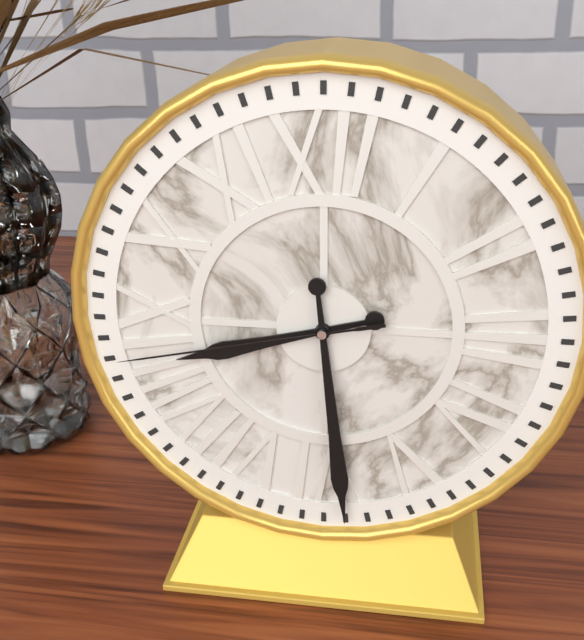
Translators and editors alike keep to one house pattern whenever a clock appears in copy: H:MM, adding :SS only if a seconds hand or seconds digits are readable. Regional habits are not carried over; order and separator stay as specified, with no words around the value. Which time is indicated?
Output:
8:29:43
